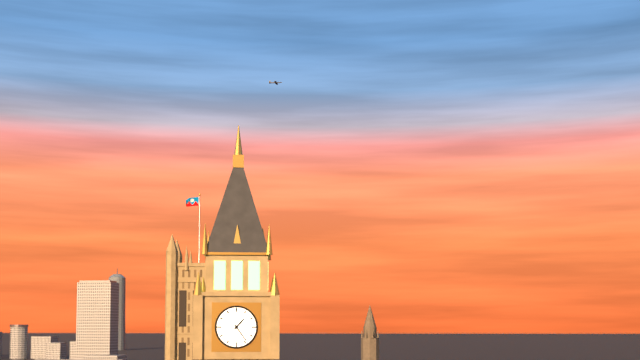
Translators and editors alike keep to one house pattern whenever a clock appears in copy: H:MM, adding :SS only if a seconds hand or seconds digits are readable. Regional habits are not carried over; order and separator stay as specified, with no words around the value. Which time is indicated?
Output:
1:24
